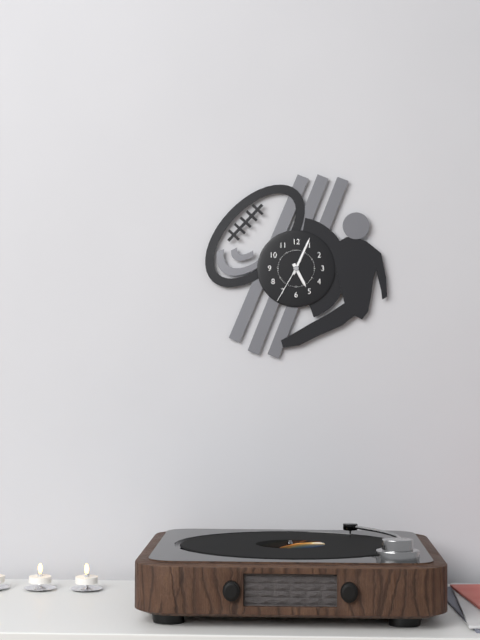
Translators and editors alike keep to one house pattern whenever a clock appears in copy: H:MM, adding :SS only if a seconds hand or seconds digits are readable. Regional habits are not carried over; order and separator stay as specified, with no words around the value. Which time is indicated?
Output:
5:04
